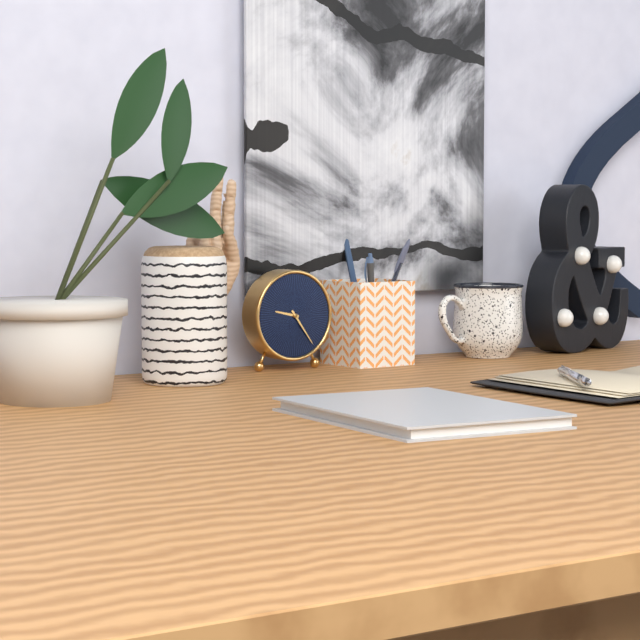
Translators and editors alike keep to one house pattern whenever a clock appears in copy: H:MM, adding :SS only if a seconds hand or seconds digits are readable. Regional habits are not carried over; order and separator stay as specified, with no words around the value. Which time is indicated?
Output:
9:24
